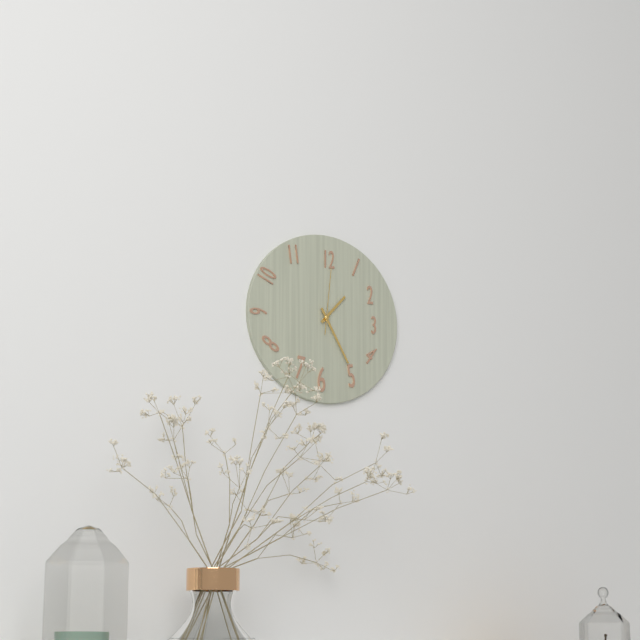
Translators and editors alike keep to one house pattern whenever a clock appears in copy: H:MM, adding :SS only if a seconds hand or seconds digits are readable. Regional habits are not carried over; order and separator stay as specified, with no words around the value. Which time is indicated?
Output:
1:25:01
